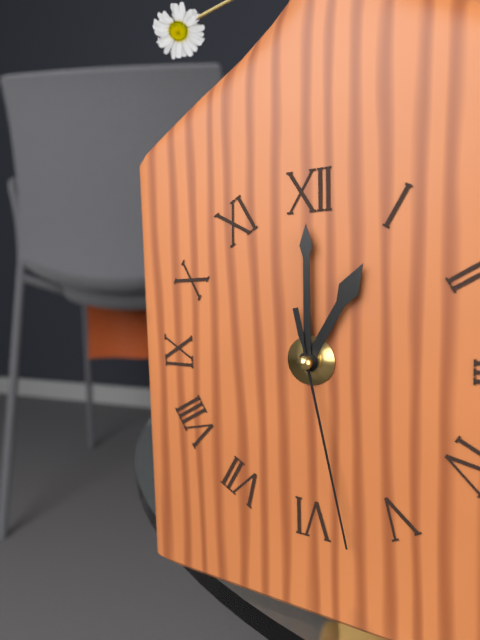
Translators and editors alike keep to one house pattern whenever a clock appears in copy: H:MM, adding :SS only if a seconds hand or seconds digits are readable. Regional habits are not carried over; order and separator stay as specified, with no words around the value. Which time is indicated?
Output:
1:00:28
